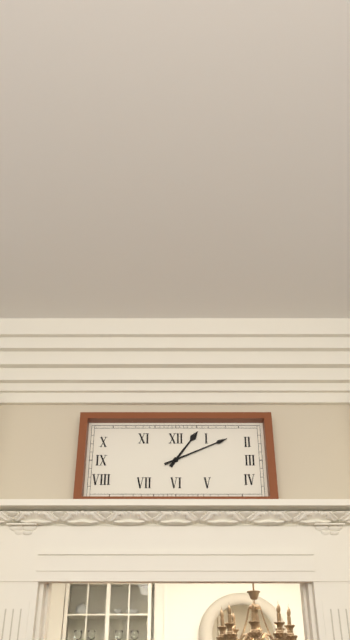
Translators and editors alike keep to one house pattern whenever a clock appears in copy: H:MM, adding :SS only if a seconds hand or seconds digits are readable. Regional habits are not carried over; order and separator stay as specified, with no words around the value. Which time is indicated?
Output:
1:11
